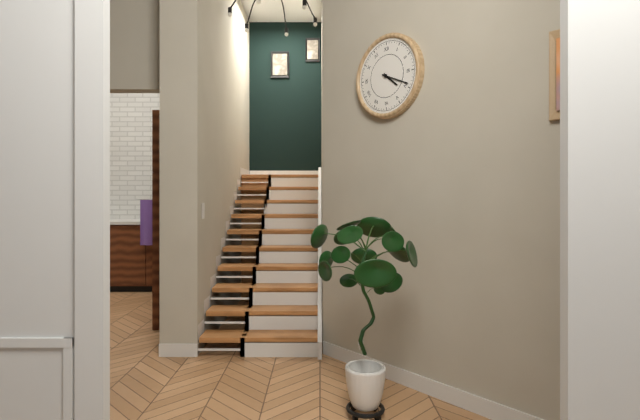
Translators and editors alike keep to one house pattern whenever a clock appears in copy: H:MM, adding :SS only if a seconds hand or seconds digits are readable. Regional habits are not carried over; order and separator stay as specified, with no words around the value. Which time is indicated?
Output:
4:19
